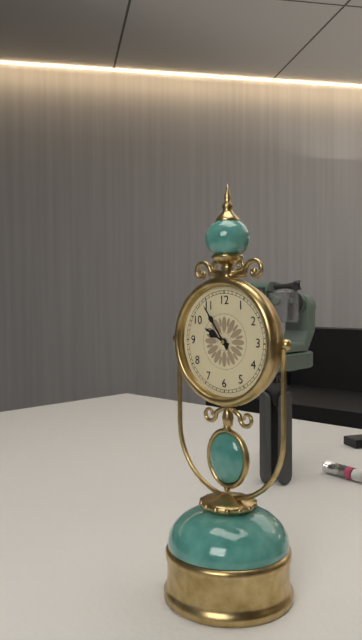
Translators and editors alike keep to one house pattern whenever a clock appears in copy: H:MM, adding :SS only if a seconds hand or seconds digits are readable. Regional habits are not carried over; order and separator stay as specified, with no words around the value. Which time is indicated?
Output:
9:54
